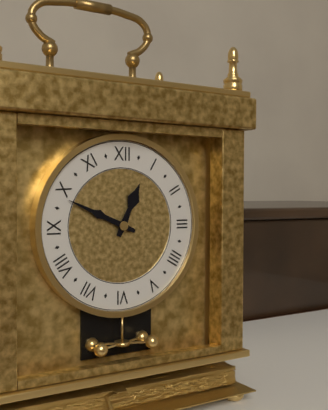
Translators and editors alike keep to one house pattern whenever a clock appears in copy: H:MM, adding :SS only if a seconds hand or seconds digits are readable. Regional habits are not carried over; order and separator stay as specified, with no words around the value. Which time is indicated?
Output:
12:49
